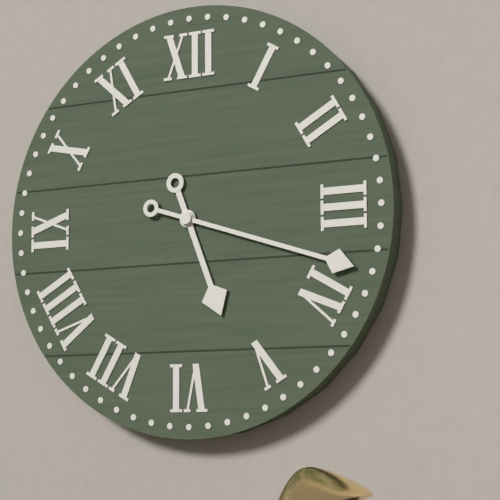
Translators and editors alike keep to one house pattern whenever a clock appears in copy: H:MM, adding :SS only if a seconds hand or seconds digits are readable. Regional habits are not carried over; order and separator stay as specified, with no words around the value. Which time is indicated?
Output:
5:18
